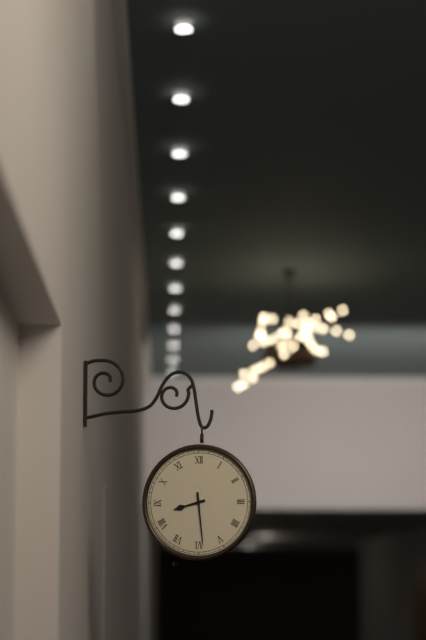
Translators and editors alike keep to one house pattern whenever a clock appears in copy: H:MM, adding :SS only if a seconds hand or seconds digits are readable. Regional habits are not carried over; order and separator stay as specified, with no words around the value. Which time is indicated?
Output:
8:29
